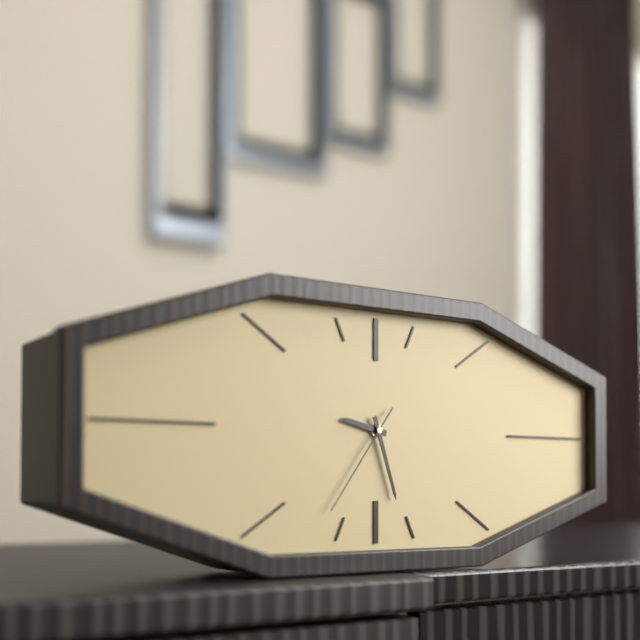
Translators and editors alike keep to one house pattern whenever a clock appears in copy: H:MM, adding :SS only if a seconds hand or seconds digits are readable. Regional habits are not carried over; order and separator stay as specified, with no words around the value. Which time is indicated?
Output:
9:27:36
